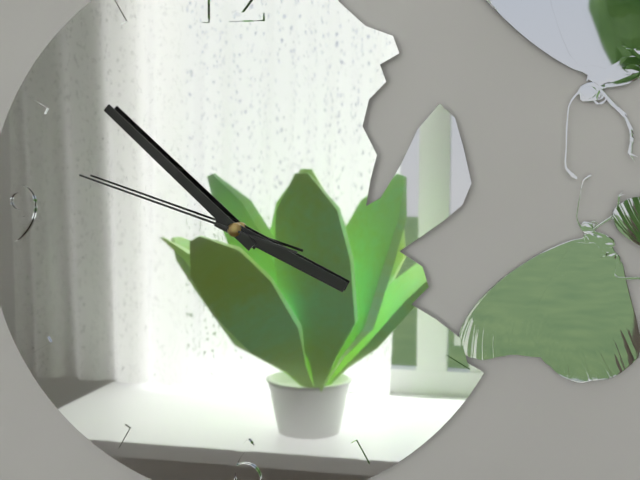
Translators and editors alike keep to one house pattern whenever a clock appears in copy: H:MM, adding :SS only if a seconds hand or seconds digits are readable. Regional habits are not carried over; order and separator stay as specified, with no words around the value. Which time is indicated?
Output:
3:52:48
